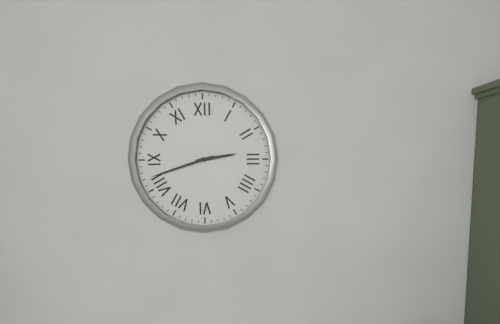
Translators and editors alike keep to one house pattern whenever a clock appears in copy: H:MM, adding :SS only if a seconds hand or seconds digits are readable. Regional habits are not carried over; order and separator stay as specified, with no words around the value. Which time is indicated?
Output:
2:42
